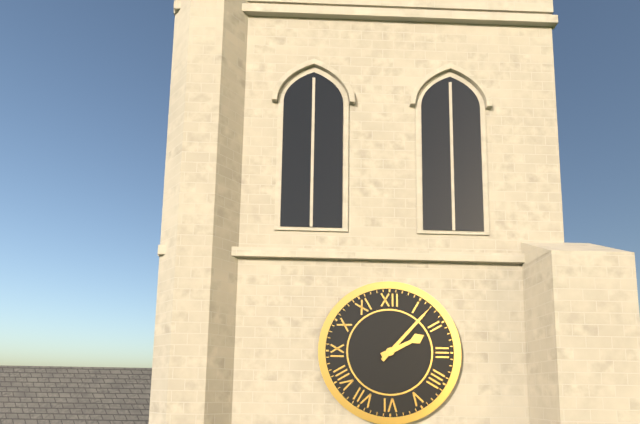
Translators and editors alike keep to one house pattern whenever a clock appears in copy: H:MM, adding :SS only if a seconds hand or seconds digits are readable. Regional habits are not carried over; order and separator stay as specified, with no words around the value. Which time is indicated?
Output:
2:07
